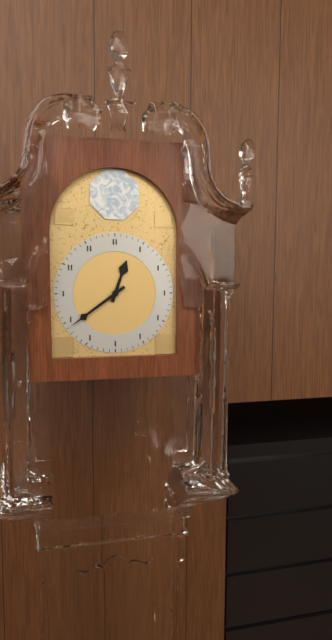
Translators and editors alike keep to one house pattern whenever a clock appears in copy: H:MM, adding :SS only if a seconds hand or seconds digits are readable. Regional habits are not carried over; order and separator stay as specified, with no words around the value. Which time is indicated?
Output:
12:39
